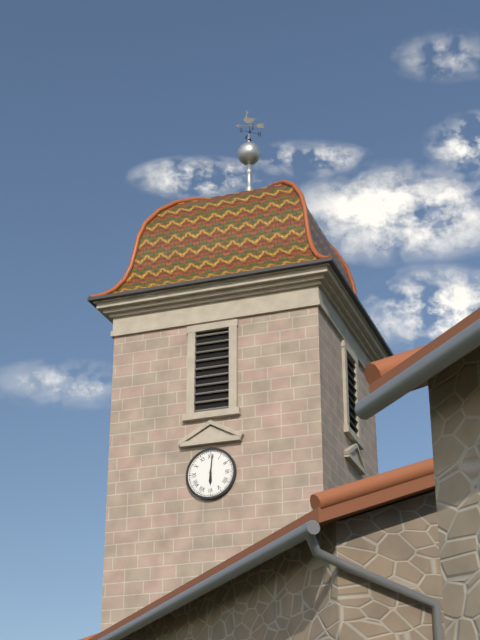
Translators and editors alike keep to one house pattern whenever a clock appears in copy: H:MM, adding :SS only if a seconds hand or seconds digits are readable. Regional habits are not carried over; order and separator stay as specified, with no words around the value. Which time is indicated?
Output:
6:01
